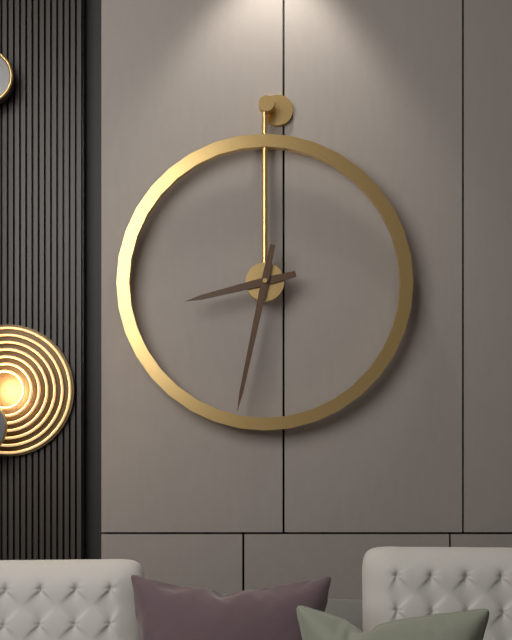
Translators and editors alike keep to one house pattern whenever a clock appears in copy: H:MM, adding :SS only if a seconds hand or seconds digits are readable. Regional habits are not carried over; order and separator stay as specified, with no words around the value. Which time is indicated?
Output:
8:32
